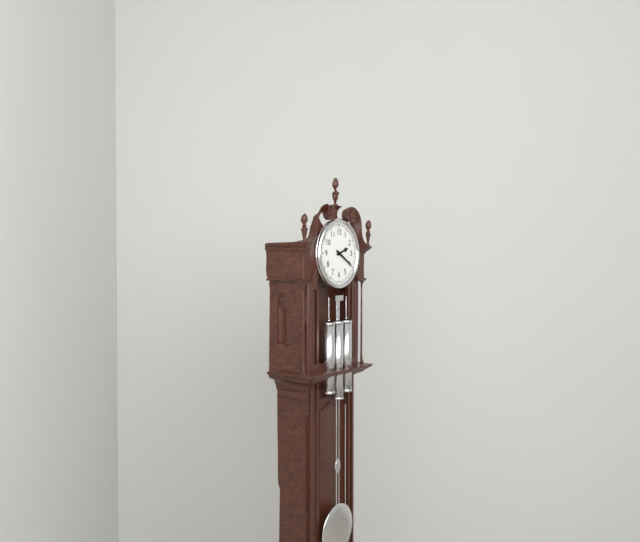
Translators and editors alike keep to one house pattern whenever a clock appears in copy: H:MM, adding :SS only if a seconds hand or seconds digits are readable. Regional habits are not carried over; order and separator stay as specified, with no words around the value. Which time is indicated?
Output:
2:20
